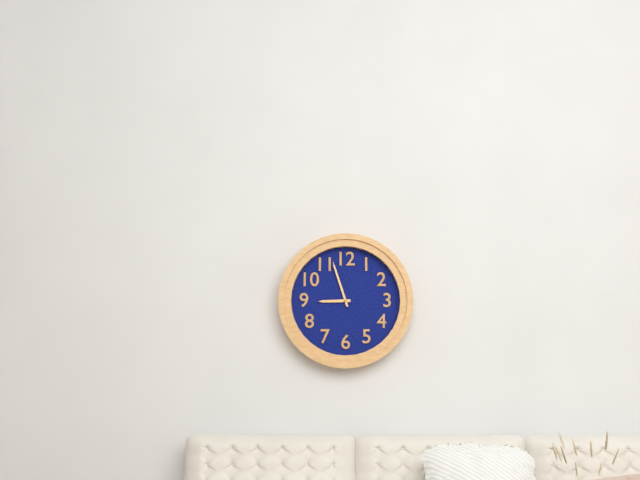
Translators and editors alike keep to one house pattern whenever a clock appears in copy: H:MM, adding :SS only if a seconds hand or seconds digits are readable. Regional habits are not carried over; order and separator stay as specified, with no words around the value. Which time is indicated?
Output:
8:57
